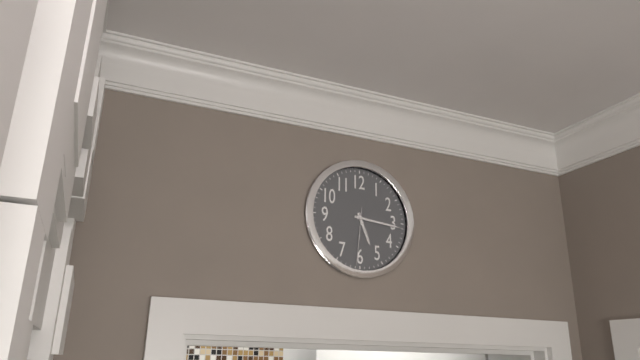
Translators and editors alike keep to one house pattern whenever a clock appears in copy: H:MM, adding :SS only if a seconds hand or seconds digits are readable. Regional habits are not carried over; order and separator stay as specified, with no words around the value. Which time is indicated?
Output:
5:16:31
